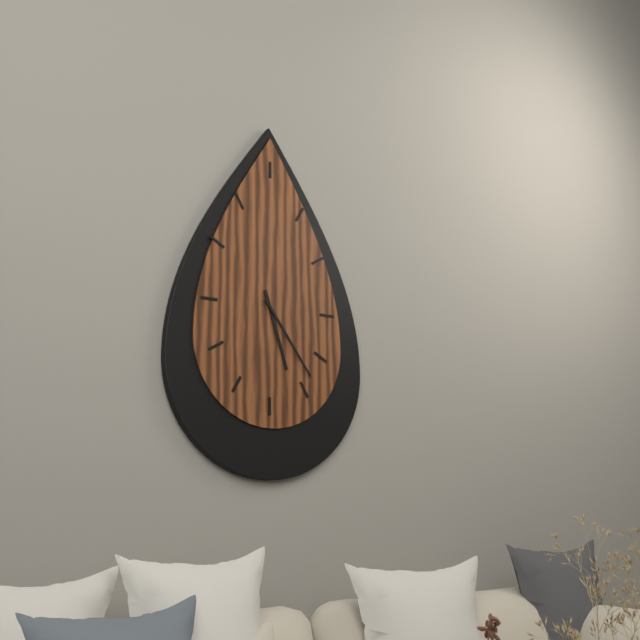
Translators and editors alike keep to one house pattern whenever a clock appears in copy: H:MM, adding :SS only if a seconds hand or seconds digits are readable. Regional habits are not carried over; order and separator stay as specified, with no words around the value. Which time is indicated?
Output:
5:24
